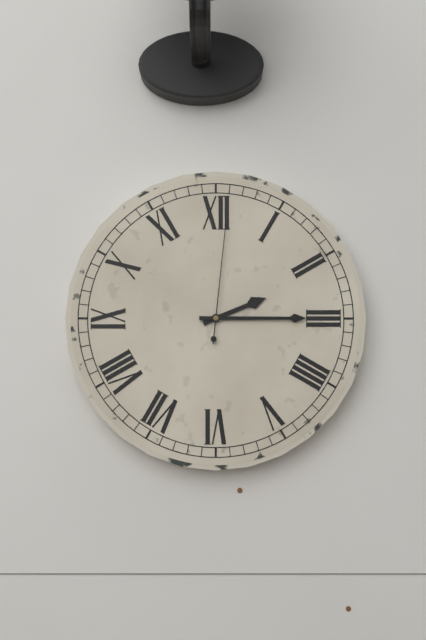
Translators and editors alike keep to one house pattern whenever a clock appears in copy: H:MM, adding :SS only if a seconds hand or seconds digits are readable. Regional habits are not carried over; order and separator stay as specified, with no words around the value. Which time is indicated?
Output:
2:15:01
